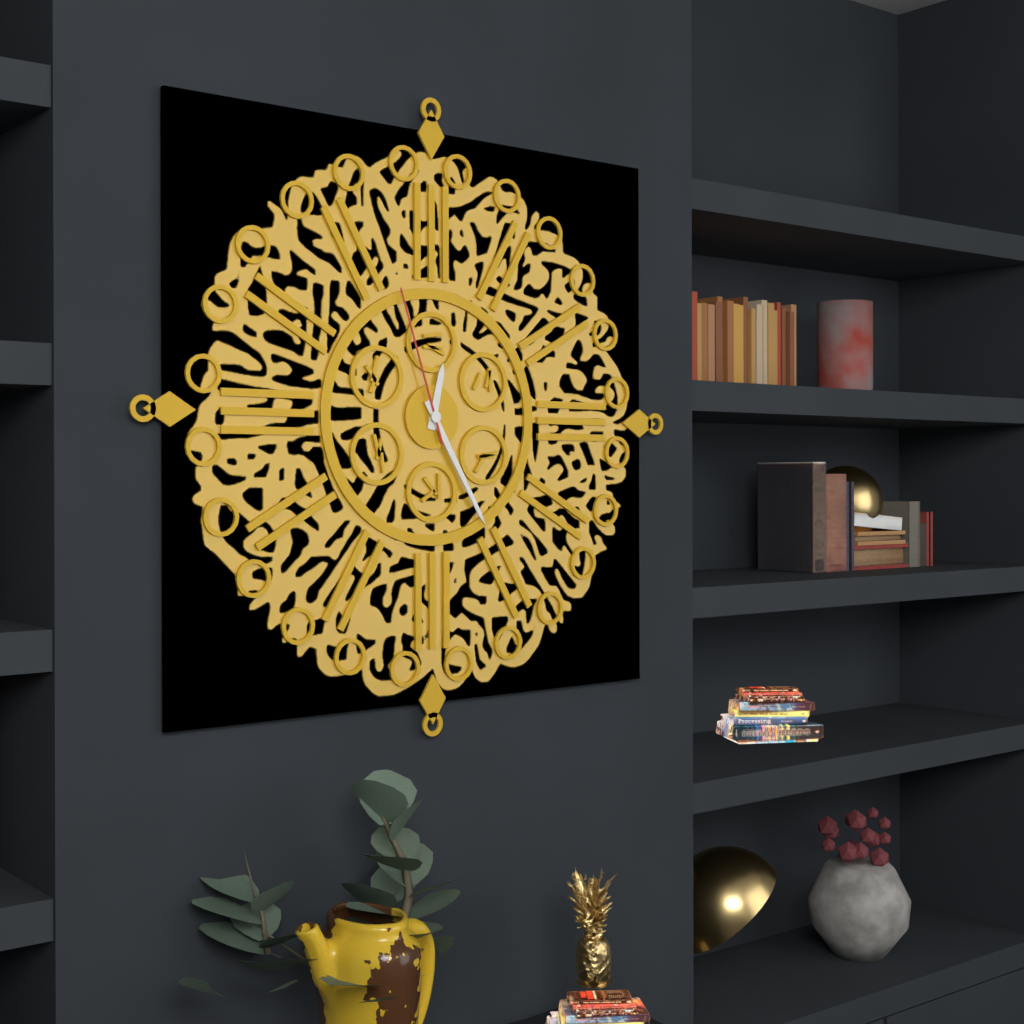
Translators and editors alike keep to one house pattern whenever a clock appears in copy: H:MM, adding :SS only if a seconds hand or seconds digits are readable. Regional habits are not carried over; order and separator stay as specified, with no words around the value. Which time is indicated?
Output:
12:25:57
